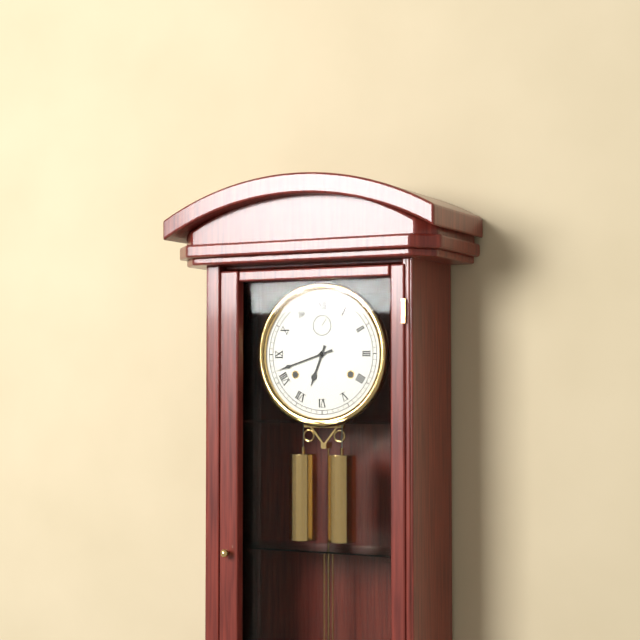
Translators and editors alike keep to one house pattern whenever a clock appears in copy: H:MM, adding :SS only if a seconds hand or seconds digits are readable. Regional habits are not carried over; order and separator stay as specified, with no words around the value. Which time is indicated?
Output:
6:42
